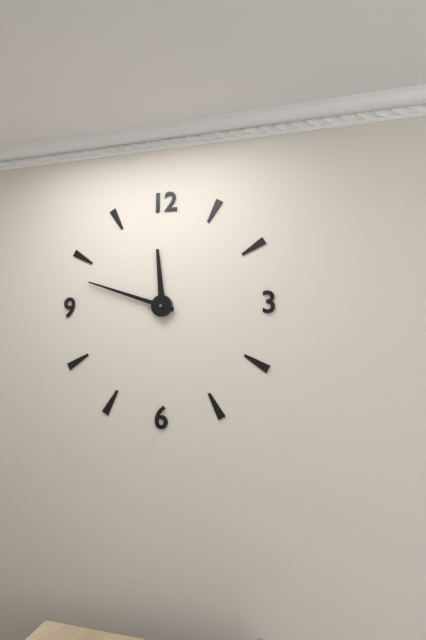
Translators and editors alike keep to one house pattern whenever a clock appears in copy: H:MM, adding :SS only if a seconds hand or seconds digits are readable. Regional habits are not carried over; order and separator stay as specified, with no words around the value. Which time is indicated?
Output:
11:48
